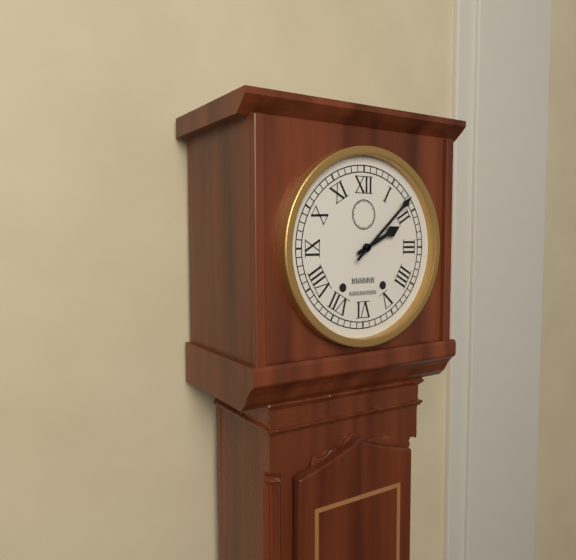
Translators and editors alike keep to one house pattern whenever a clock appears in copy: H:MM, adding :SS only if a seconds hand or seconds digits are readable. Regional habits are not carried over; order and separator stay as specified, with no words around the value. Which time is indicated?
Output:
2:08
